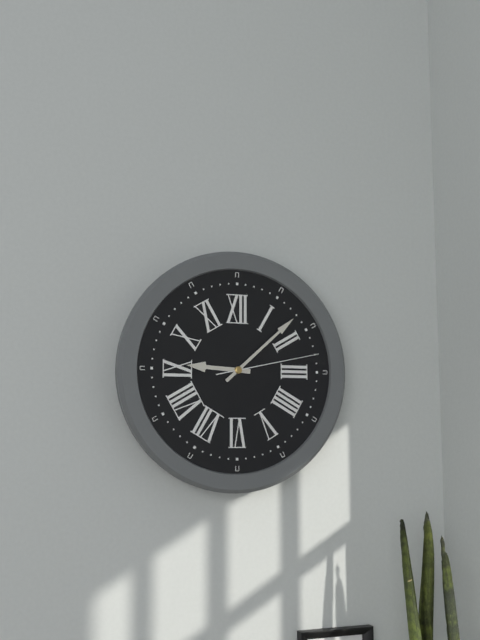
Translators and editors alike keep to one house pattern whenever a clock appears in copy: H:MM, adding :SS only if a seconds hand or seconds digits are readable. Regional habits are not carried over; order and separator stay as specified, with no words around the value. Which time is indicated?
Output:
9:08:13
